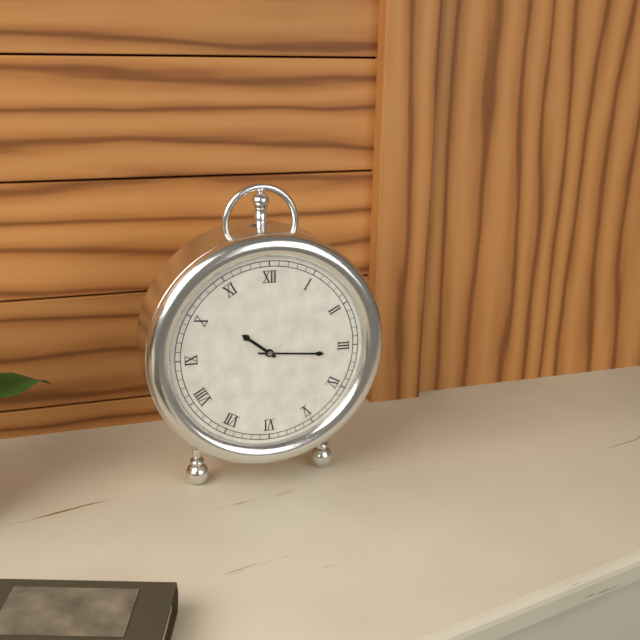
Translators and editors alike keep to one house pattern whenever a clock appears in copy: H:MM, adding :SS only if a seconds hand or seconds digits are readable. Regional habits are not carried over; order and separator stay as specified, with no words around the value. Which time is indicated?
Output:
10:16
